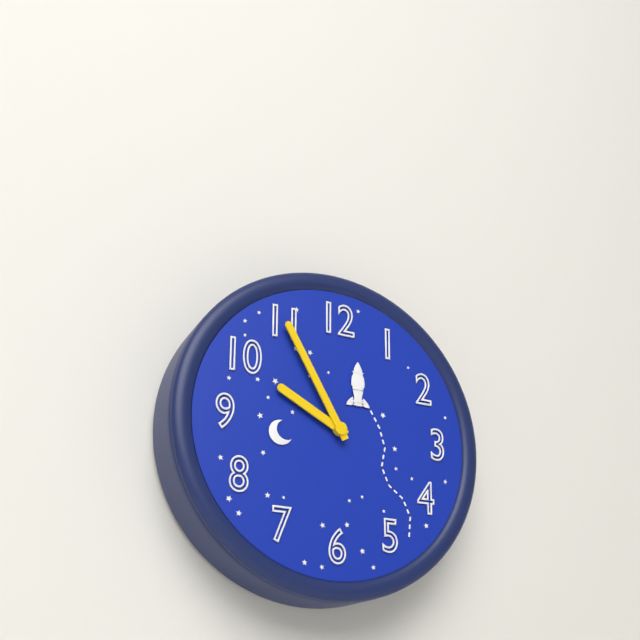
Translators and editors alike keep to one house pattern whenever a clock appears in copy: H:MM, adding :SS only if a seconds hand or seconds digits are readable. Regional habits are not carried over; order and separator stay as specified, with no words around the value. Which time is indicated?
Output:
9:55
